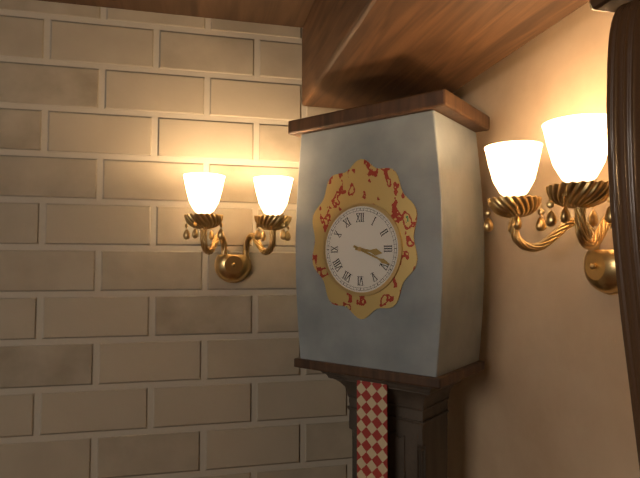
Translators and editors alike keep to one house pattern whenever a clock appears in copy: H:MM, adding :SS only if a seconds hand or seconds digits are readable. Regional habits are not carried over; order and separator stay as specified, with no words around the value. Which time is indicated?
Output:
3:19
